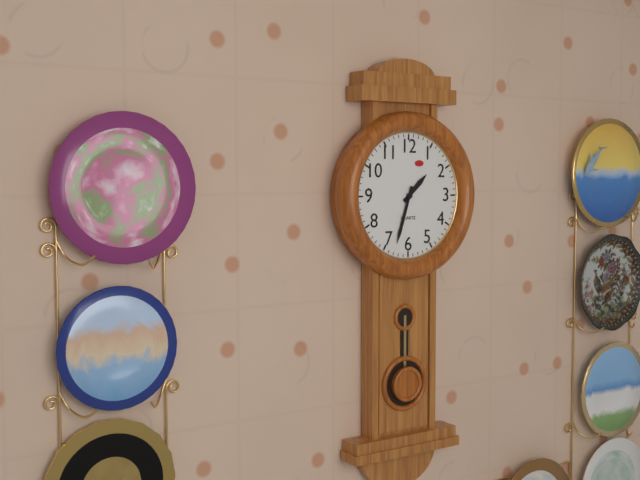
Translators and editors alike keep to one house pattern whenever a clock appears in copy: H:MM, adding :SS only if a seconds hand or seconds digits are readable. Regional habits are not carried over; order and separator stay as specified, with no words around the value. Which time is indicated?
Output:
1:33
